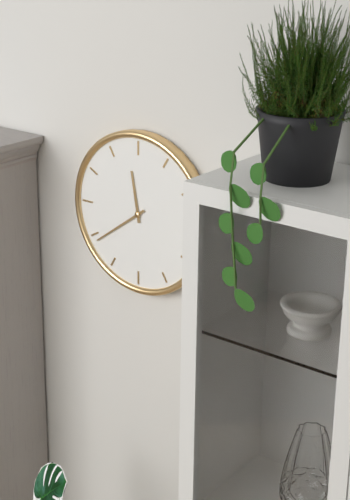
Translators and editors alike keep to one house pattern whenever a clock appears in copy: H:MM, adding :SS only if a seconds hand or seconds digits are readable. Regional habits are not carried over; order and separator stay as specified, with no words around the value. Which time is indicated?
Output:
11:39
